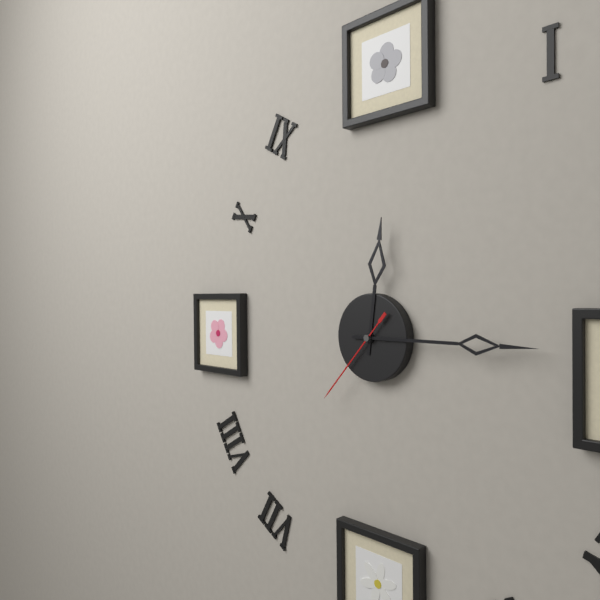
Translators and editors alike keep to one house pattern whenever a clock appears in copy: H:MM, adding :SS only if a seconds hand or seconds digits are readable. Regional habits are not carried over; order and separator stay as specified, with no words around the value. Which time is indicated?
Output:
12:15:37
